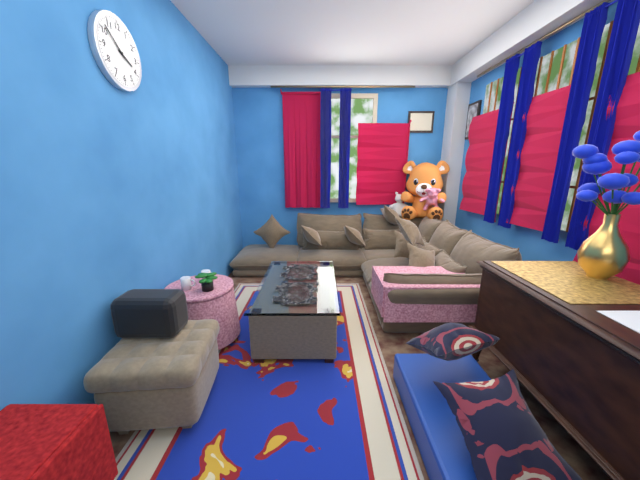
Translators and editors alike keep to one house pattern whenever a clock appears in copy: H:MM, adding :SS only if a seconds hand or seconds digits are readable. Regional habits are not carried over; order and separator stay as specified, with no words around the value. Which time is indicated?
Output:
3:52
